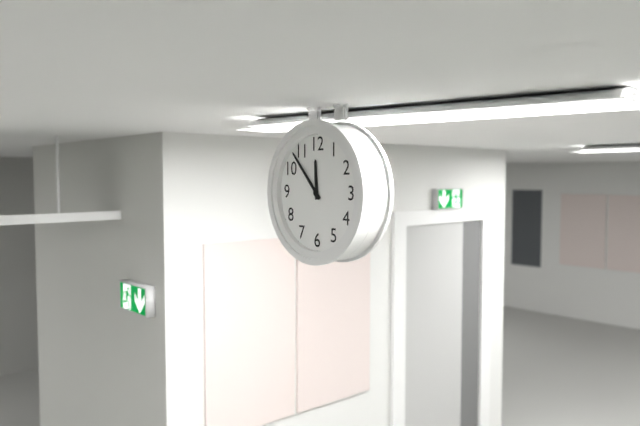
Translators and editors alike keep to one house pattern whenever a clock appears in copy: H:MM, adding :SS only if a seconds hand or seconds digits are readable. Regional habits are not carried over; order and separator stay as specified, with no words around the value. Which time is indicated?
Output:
11:53
